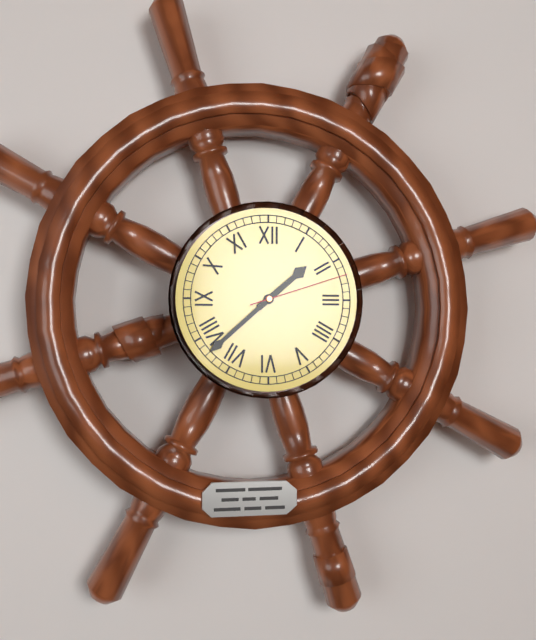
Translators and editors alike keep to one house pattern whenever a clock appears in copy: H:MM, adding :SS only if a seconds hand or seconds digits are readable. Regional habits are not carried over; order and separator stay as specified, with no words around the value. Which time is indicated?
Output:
1:38:12
